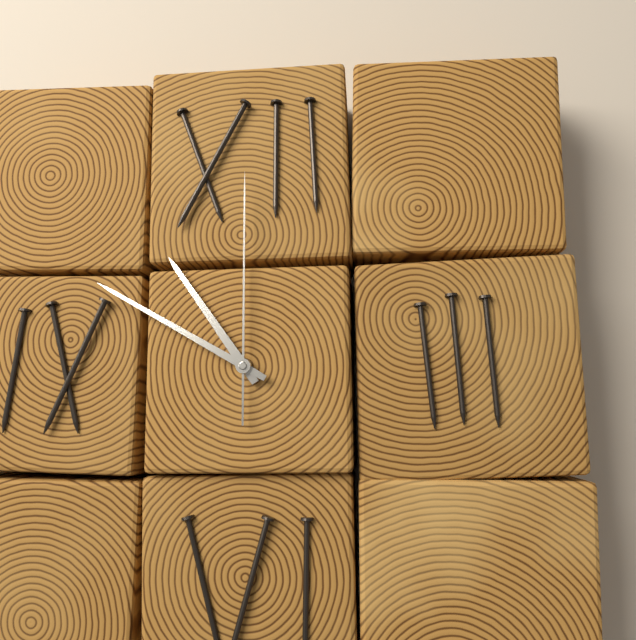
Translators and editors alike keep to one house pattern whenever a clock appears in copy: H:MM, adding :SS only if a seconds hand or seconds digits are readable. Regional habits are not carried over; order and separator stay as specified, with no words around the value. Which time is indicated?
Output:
10:50:00
